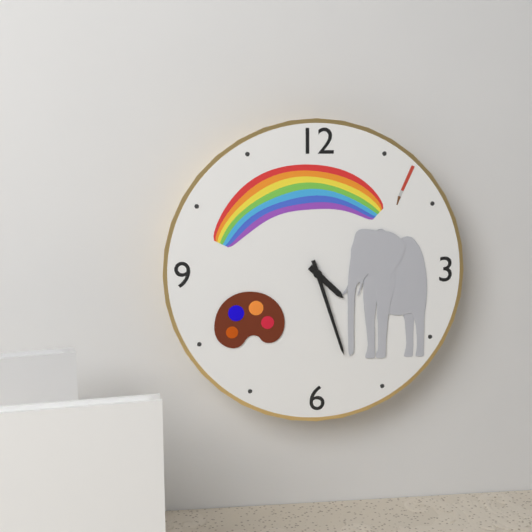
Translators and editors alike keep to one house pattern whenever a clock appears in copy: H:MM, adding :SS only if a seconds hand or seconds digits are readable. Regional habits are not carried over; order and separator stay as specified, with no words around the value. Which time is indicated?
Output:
4:27
